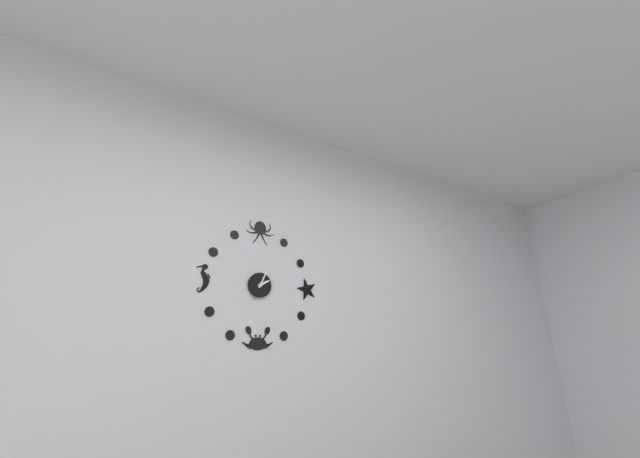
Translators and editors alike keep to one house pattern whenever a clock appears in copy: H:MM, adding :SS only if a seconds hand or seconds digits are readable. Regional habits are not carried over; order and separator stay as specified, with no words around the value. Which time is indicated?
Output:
2:04
